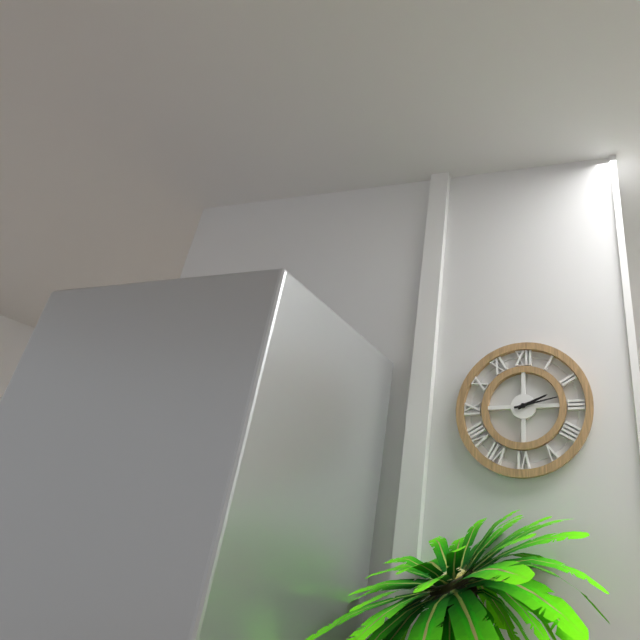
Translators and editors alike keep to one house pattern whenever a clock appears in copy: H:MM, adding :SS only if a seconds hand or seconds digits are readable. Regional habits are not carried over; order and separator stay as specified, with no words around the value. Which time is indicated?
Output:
2:13
